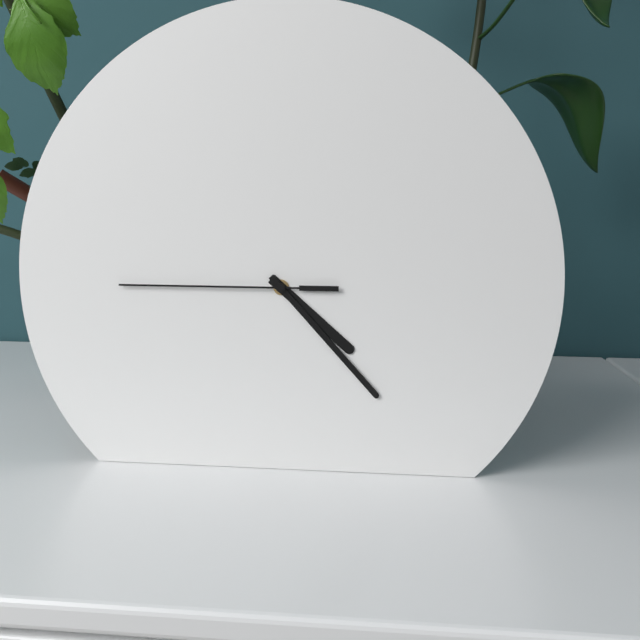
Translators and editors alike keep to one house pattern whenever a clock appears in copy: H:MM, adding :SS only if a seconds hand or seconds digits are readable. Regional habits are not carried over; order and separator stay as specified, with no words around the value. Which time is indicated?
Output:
4:23:45
